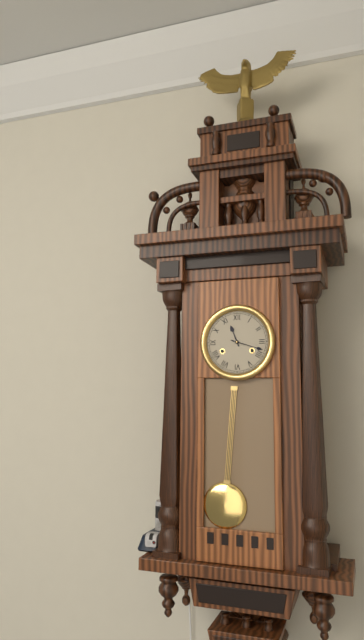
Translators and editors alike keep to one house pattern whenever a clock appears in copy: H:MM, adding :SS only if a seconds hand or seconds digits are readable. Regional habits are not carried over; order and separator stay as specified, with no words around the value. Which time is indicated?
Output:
11:18
